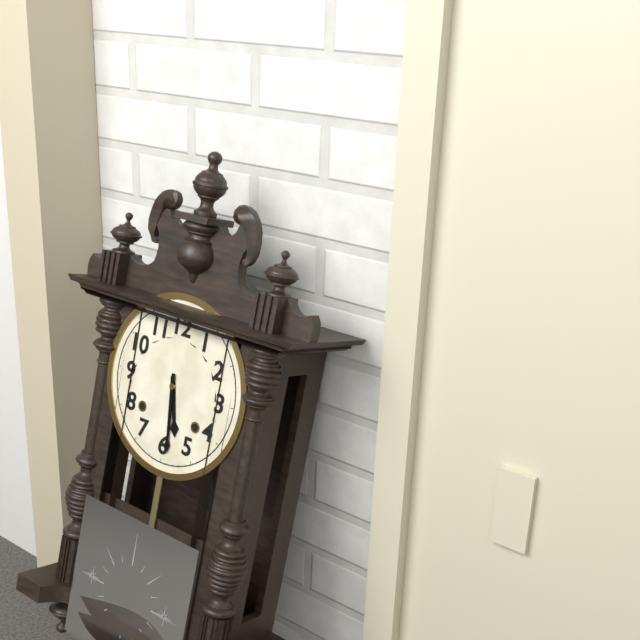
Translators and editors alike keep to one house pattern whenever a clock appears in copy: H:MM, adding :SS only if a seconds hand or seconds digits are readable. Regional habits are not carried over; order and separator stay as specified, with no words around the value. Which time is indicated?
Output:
5:29
